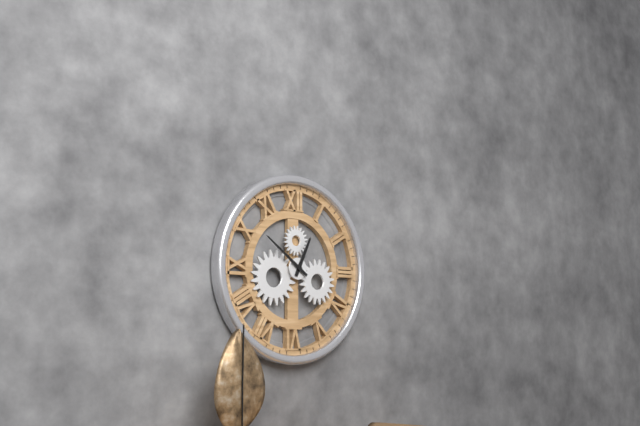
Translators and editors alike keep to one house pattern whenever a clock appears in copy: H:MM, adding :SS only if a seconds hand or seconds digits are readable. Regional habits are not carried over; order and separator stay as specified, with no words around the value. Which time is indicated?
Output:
12:51
